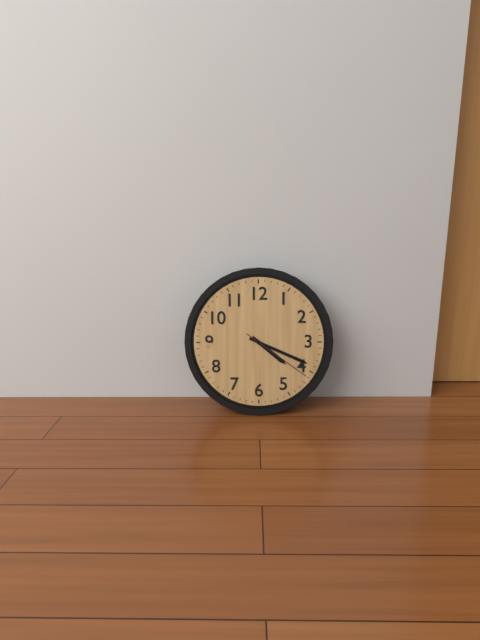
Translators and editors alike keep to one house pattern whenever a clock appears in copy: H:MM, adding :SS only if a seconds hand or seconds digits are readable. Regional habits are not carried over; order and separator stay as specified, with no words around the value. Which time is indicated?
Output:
4:19:21
